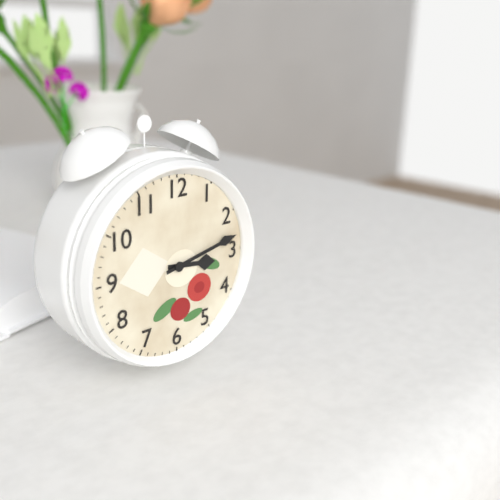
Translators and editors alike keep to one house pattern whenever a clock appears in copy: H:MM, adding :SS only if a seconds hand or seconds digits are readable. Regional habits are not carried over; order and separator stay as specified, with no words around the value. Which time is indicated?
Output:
3:13
